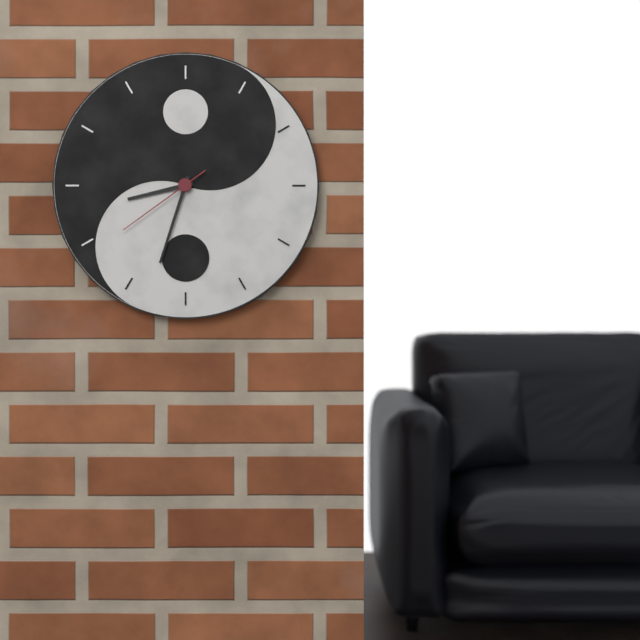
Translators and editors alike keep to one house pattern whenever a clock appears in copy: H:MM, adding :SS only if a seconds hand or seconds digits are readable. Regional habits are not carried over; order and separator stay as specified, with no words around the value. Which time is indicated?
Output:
8:33:39
